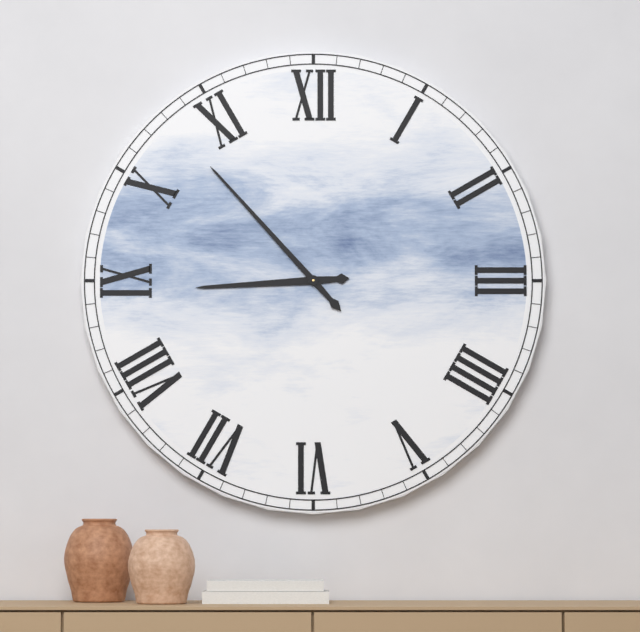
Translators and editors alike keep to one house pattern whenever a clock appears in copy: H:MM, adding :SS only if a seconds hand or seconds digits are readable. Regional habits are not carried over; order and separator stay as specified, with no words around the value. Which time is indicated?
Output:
8:53
